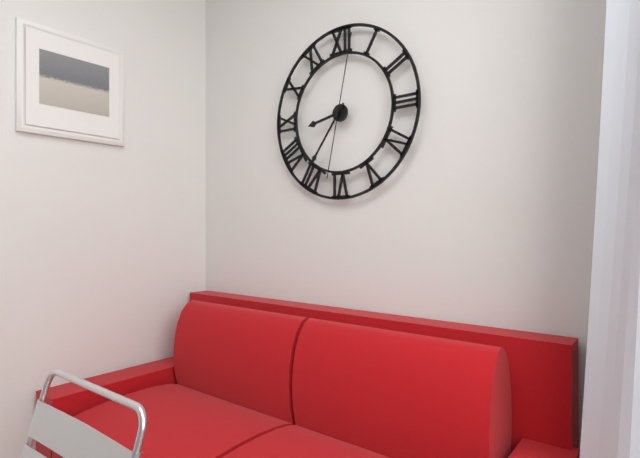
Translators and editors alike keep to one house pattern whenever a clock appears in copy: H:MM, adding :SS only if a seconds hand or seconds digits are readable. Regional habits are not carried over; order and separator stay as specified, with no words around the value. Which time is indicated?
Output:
8:36:02
